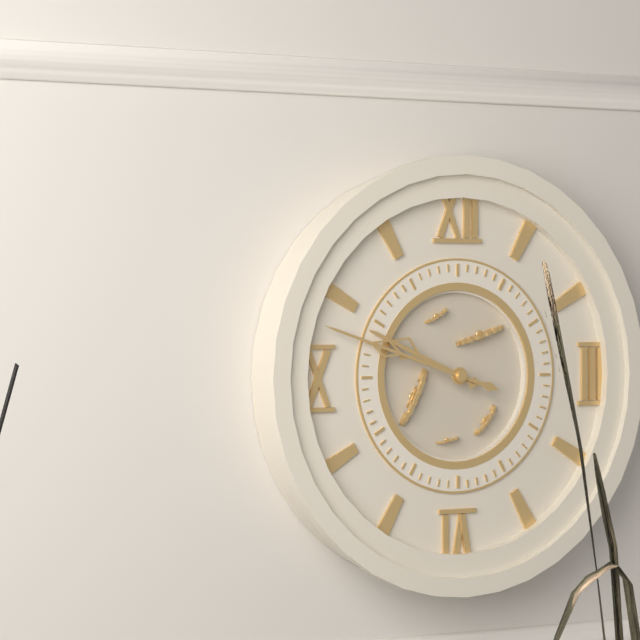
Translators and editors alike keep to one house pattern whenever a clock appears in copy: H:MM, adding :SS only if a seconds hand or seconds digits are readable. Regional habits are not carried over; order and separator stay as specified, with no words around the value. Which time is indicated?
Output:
9:48
